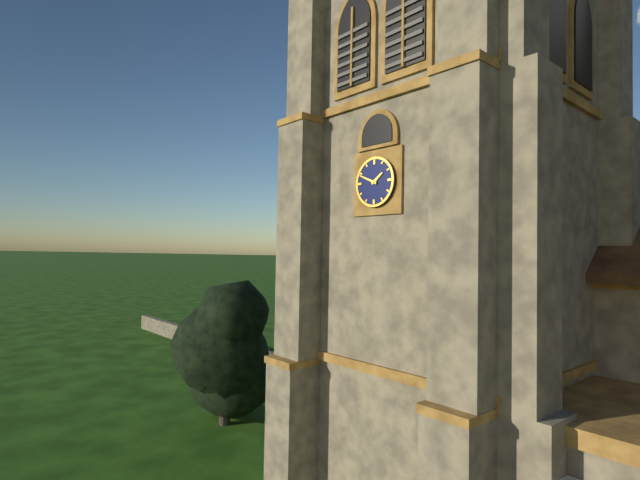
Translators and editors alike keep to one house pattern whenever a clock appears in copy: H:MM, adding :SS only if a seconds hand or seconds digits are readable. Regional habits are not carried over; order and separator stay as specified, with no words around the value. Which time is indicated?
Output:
1:49
